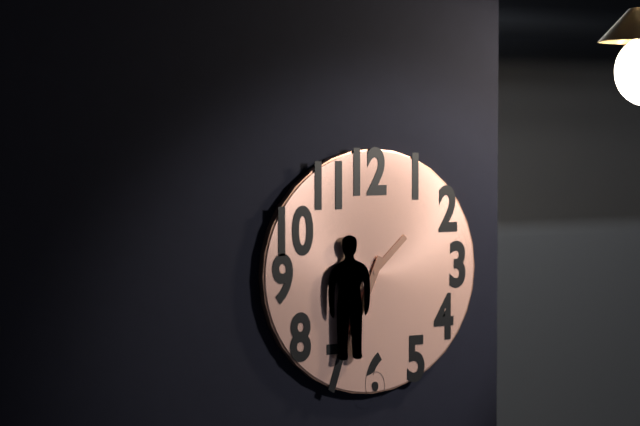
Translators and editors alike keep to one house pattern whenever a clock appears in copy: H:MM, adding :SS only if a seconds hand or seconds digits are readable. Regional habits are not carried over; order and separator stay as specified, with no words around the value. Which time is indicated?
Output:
1:34
